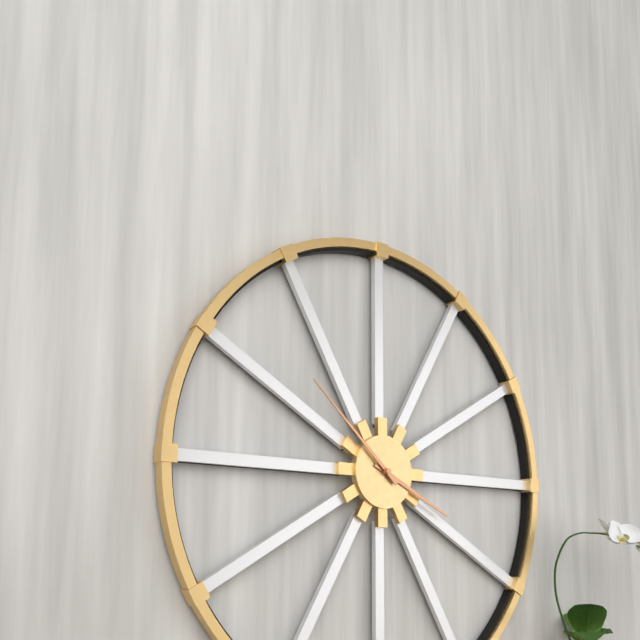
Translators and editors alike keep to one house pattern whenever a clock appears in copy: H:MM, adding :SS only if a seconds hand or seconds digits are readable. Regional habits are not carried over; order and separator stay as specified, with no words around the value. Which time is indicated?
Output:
3:52
